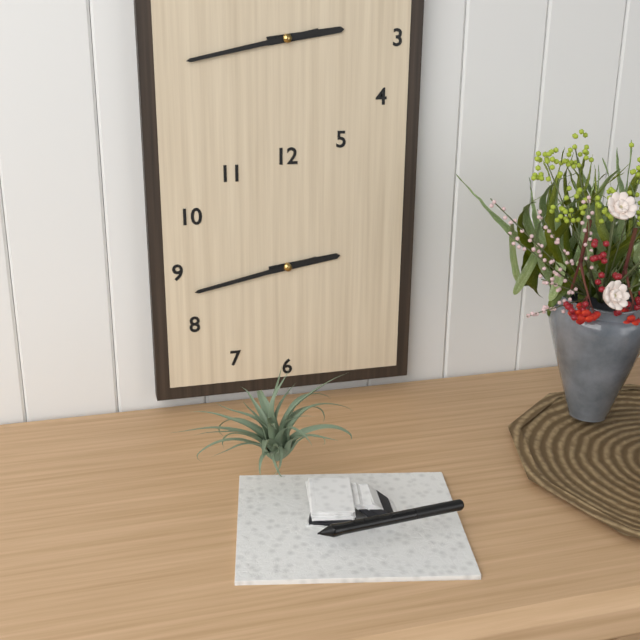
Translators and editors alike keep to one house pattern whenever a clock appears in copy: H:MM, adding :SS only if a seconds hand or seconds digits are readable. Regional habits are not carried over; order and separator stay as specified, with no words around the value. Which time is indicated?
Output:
2:43
